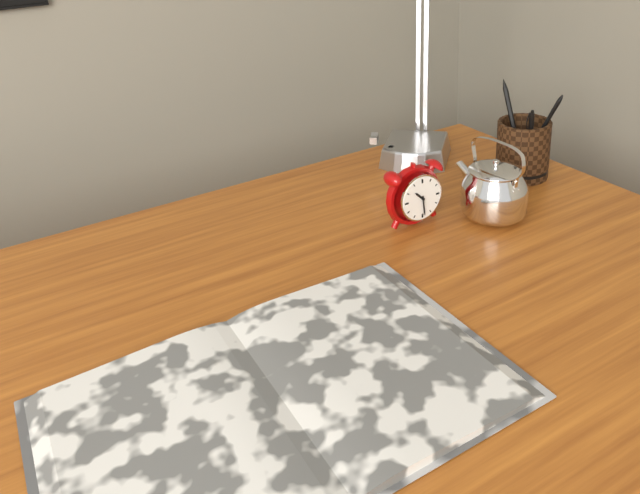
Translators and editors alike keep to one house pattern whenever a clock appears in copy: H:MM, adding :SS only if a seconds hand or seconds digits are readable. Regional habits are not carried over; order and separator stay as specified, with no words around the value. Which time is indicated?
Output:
10:29
